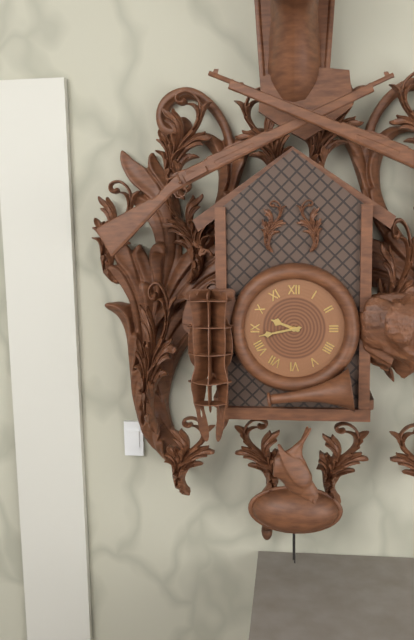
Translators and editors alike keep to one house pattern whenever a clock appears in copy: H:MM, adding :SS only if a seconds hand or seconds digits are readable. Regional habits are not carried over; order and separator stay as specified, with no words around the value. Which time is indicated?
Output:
9:43
